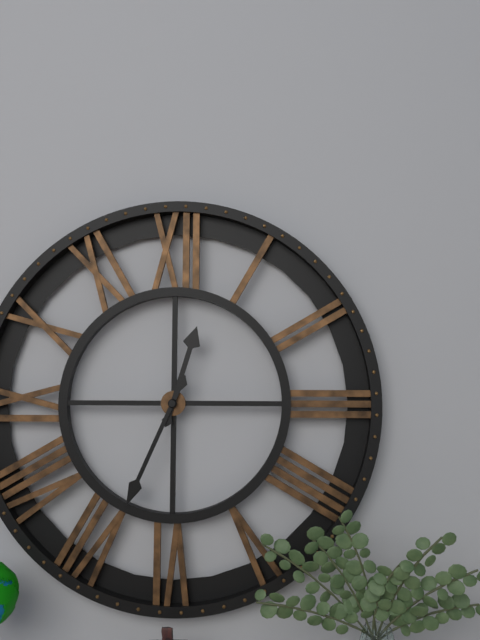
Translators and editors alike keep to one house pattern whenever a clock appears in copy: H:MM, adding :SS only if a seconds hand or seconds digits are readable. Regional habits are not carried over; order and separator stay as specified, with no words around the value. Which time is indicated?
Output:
12:34
